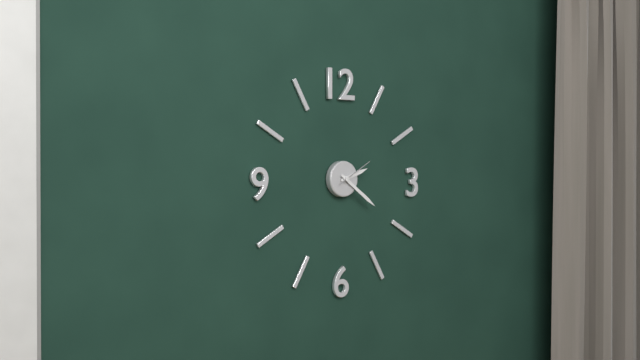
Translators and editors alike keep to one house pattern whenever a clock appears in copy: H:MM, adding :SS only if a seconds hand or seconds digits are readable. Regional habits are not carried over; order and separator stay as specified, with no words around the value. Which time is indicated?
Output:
2:21
